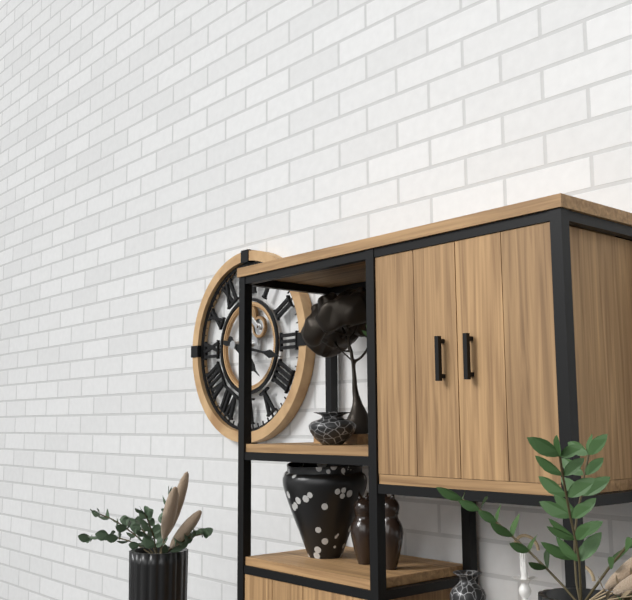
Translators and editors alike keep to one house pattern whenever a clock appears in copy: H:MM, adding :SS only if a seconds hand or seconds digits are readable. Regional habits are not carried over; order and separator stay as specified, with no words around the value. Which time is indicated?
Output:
4:17
